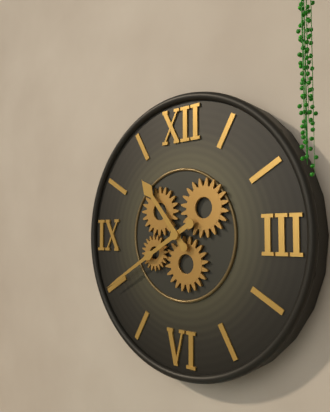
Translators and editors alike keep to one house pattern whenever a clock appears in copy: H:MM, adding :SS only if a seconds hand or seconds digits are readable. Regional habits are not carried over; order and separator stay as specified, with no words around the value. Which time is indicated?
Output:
10:40
